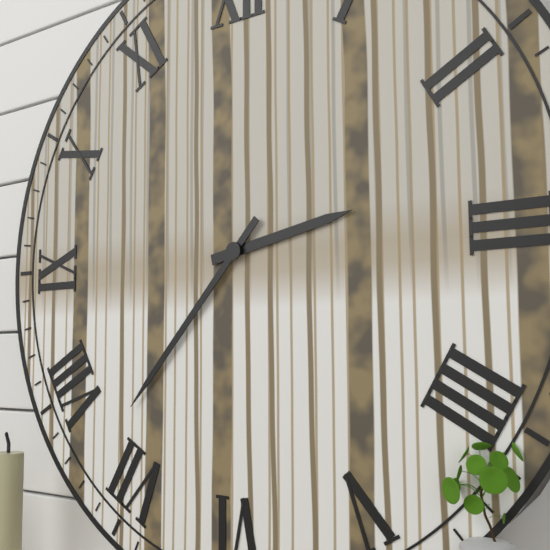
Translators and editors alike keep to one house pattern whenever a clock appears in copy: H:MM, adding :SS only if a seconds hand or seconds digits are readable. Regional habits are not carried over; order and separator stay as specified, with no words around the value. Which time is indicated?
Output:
2:37
